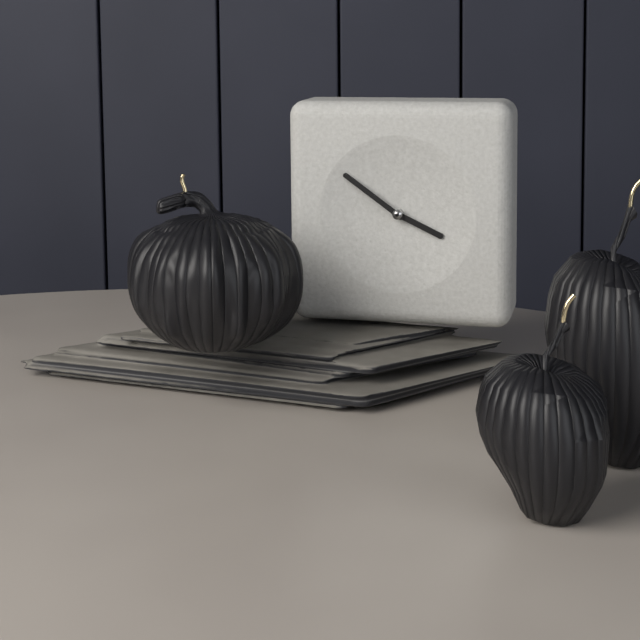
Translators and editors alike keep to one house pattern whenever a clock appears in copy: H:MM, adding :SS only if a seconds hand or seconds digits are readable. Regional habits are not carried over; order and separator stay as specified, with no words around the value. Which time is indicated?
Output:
3:51
